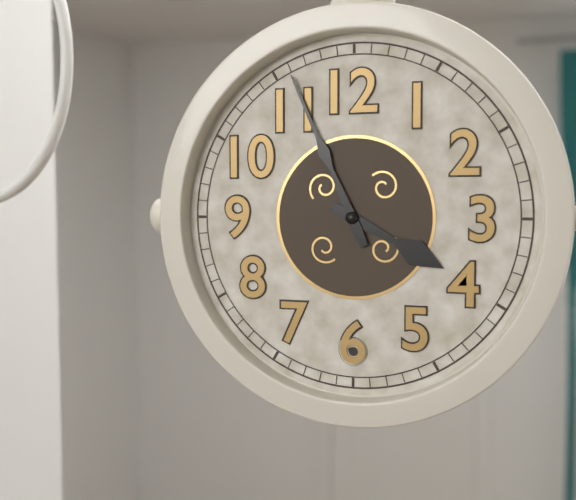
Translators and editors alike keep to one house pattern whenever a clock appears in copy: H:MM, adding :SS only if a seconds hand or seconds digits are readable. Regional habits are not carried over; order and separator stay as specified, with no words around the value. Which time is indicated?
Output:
3:56
